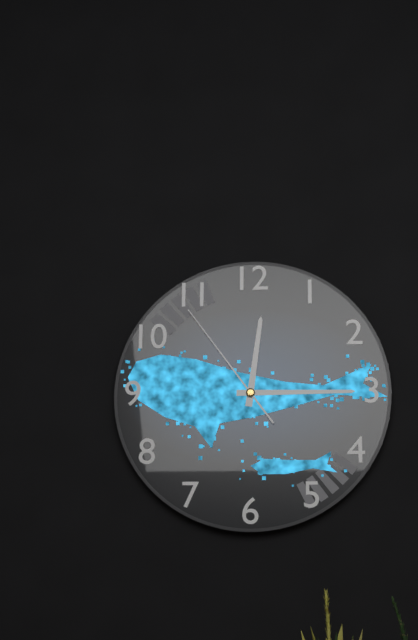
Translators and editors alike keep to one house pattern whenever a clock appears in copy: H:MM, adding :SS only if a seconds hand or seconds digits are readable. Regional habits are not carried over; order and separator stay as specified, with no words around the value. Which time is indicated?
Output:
12:15:54
